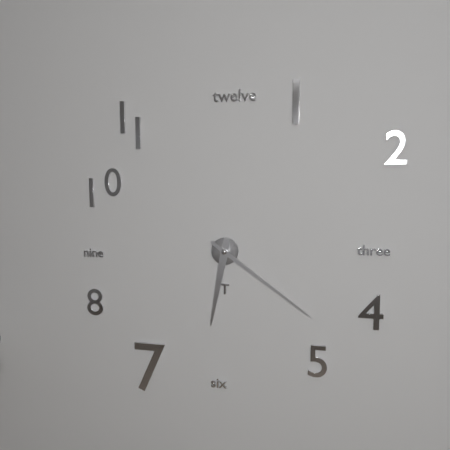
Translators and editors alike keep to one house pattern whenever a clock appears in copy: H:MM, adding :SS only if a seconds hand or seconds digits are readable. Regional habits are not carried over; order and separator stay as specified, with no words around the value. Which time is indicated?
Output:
6:21
